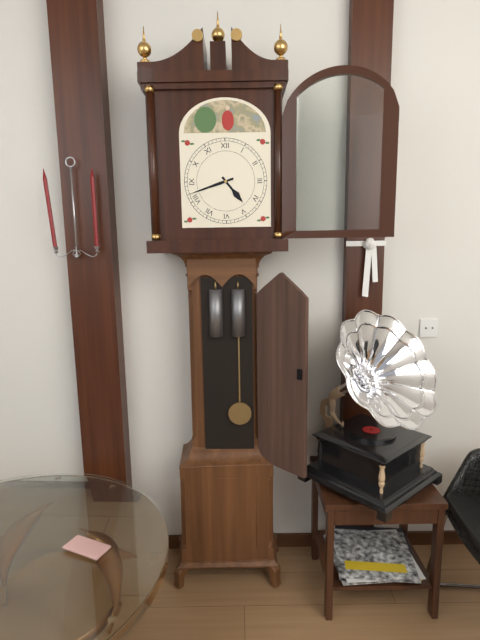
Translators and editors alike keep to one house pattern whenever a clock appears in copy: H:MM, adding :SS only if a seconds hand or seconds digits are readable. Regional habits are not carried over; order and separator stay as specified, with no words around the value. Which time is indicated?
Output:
4:42
